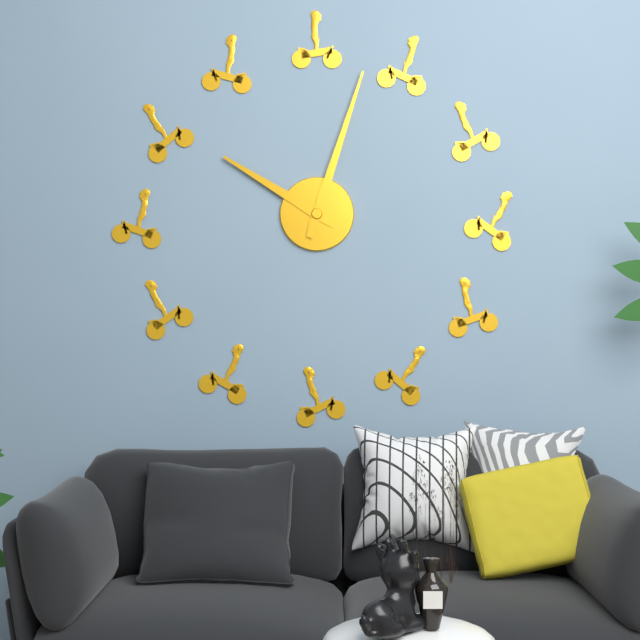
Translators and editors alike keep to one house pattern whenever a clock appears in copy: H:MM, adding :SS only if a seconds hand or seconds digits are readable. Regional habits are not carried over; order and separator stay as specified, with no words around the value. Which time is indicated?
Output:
10:03
